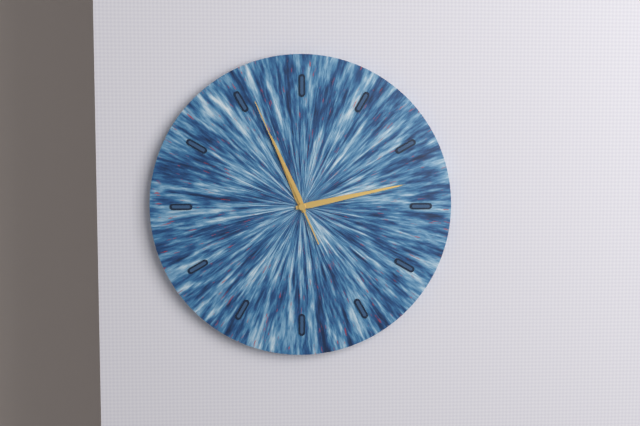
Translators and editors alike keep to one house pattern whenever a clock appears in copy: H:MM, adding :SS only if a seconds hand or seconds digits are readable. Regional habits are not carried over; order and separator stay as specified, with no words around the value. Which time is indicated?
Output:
11:13:56
